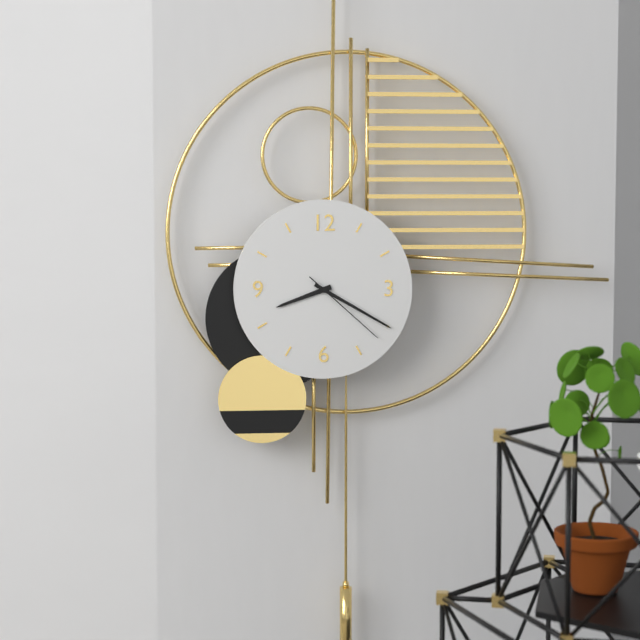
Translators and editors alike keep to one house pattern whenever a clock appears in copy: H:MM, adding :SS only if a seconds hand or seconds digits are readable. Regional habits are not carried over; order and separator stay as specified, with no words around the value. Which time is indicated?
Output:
8:20:22
